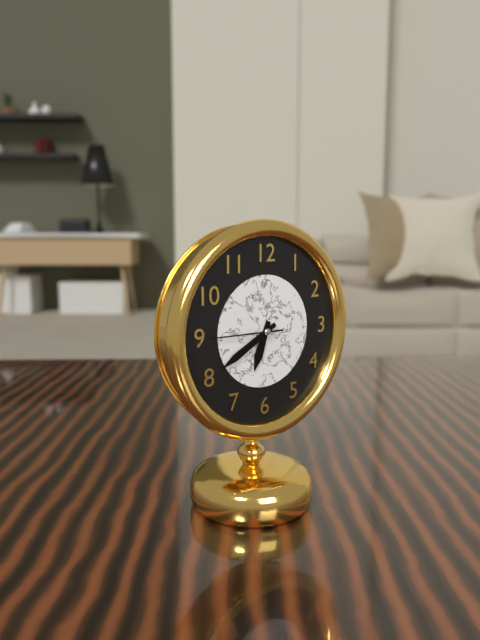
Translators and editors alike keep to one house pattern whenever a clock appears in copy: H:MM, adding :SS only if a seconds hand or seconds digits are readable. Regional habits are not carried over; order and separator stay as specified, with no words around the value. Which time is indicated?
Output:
6:40:45
